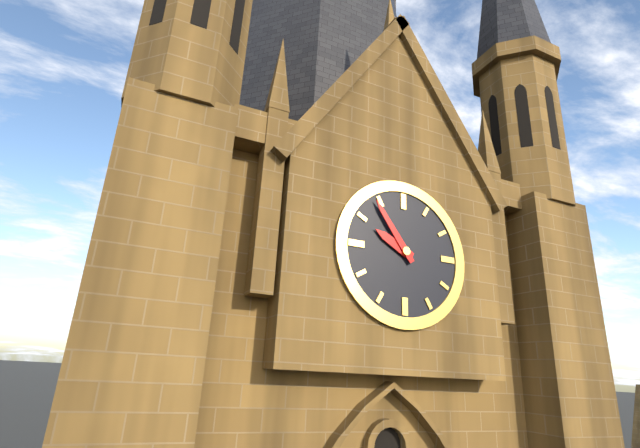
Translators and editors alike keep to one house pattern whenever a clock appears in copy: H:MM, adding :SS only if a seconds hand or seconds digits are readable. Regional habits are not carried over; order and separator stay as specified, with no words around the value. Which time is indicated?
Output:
9:54
